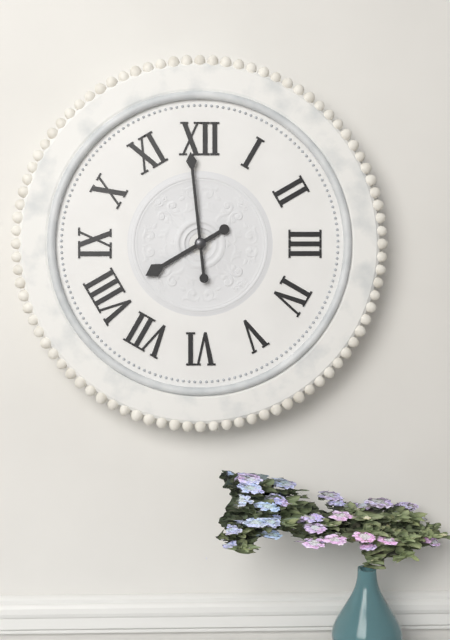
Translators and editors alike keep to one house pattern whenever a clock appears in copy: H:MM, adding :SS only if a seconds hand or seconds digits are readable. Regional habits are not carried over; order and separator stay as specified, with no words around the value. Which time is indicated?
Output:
7:59
